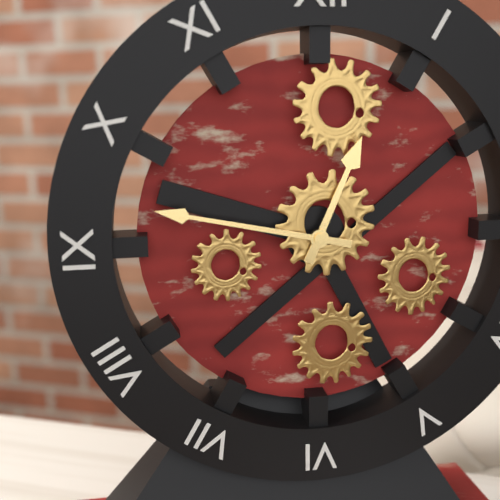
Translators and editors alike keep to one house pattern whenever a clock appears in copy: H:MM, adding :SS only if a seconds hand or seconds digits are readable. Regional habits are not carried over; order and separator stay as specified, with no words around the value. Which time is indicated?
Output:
12:47
